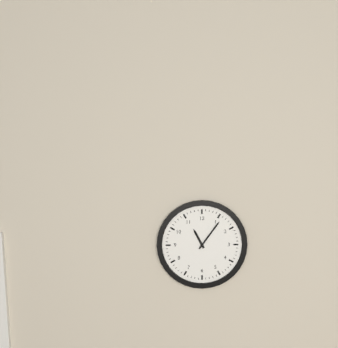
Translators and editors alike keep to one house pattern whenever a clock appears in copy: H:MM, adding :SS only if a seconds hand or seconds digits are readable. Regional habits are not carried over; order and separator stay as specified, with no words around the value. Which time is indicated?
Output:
11:06
